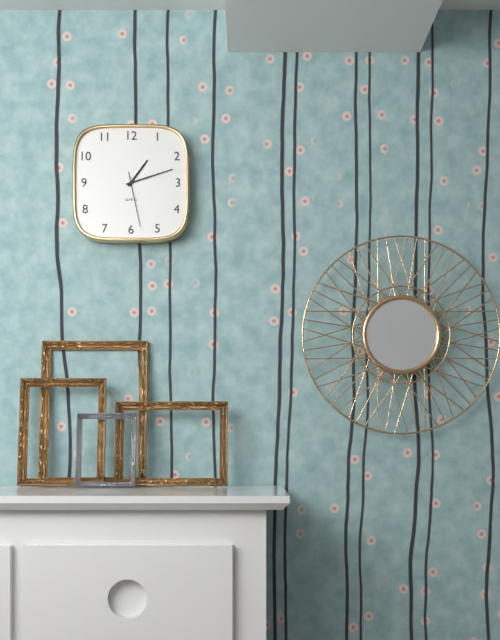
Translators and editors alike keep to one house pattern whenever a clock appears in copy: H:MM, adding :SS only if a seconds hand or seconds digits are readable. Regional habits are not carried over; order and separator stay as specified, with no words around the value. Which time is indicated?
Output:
1:12
